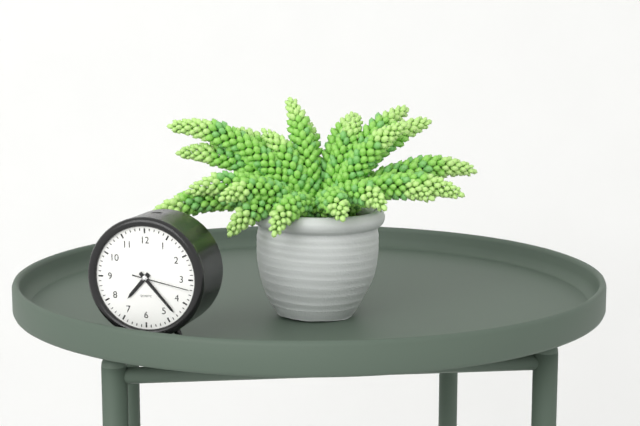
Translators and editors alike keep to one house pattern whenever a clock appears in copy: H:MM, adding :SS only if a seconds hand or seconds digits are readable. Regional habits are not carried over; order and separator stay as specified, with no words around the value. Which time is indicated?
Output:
7:23:17
